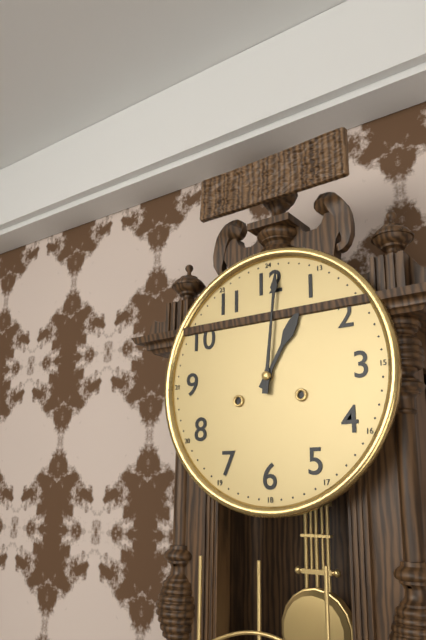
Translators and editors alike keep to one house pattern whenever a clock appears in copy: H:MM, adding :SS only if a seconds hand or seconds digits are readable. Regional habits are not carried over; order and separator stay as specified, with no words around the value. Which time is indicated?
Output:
1:01
